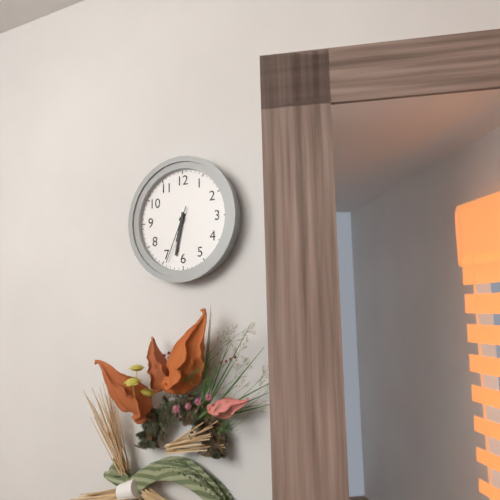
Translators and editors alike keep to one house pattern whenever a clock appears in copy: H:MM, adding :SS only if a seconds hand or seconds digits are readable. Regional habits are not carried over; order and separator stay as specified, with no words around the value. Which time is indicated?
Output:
6:32:34
